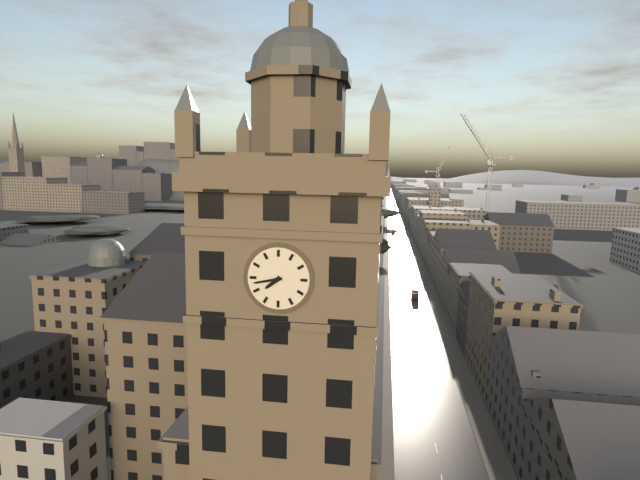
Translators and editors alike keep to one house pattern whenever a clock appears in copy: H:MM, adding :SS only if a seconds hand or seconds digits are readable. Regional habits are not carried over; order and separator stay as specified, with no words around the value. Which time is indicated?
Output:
7:43
